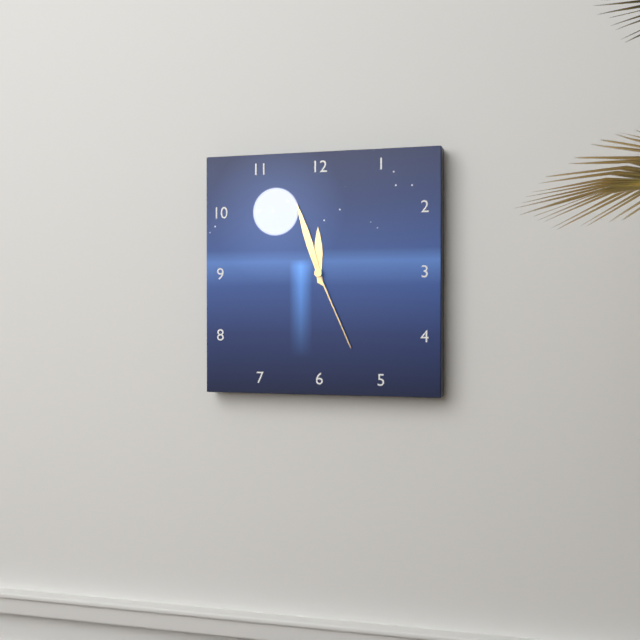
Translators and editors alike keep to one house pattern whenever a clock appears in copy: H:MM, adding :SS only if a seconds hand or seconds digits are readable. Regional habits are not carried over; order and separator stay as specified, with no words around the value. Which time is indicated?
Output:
11:57:26
